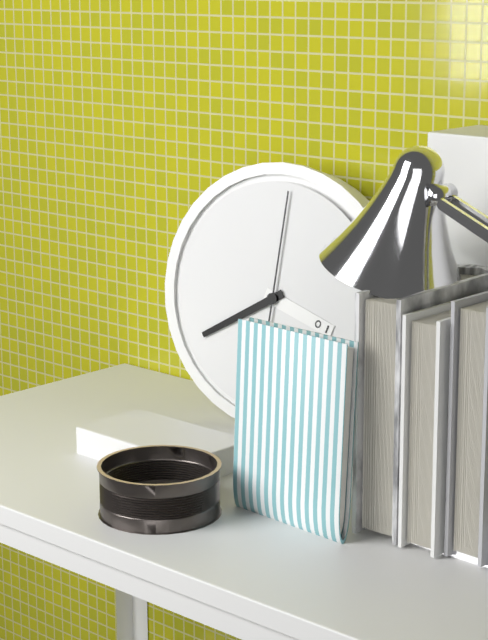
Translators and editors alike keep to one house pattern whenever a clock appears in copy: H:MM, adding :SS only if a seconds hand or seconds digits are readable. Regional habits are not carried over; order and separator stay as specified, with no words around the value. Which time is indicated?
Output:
3:40:01
